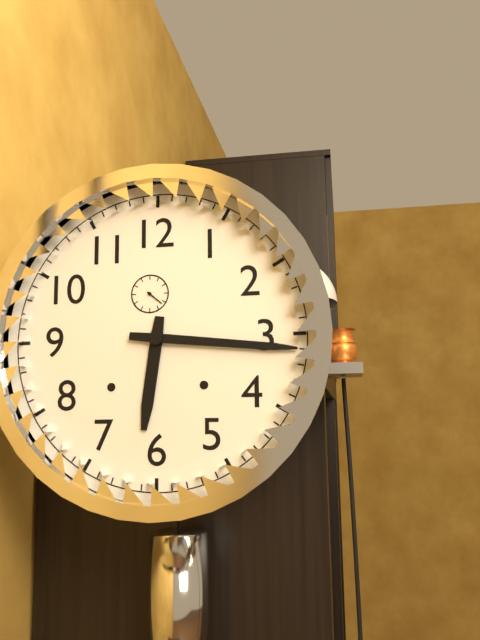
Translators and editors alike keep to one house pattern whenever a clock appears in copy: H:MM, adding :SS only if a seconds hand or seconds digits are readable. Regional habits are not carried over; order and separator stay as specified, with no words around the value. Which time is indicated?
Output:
6:16
